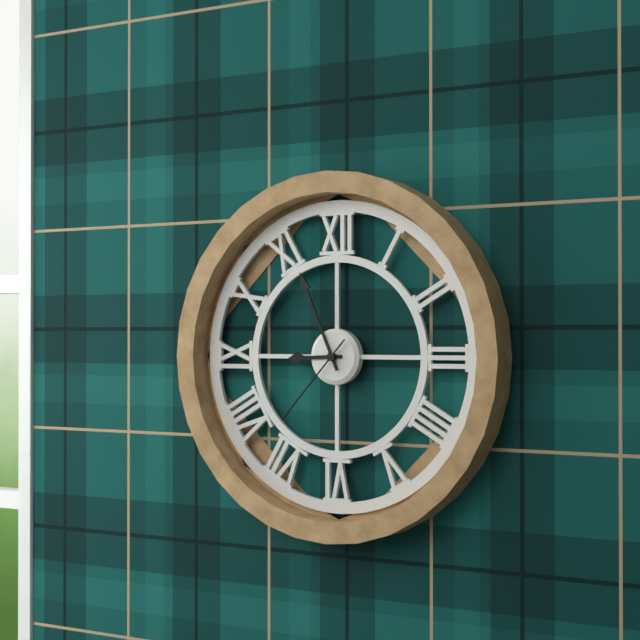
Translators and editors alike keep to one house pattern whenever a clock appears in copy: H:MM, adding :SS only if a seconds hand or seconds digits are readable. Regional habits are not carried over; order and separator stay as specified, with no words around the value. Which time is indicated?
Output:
8:56:37
